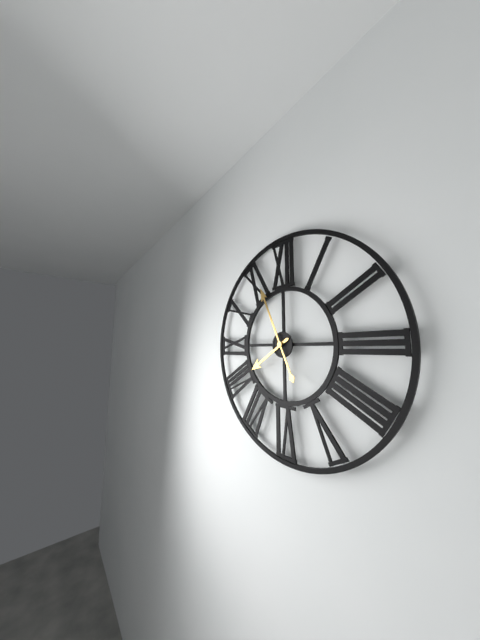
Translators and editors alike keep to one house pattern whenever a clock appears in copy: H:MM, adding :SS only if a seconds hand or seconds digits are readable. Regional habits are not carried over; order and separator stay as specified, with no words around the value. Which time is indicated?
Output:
7:56
